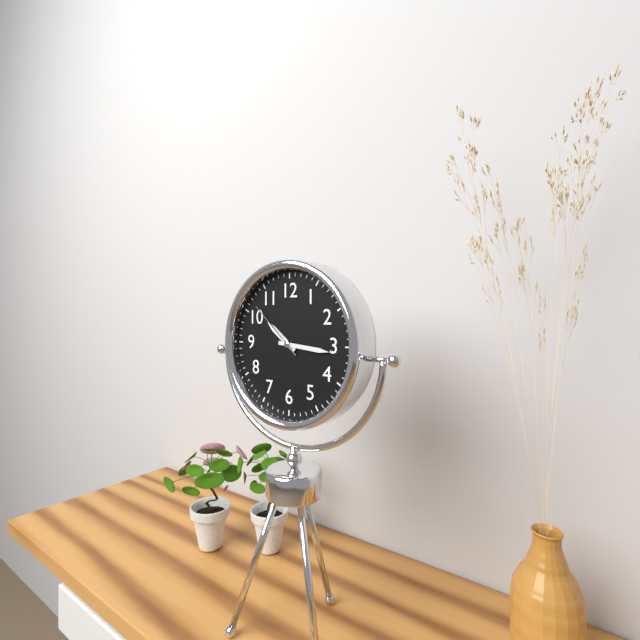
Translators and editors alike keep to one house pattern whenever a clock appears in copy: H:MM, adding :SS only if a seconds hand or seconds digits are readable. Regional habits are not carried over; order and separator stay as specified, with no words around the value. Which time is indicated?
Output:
10:16:52
